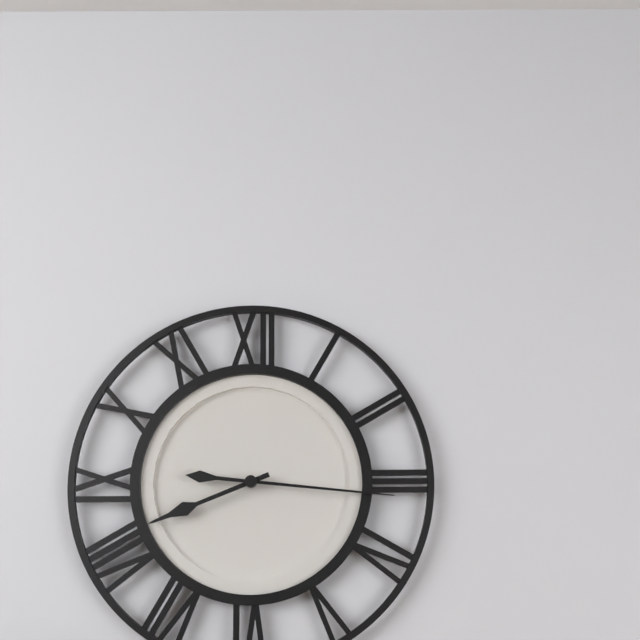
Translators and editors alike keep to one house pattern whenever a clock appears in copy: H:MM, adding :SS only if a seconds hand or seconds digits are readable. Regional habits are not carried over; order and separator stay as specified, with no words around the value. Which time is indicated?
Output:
8:16
